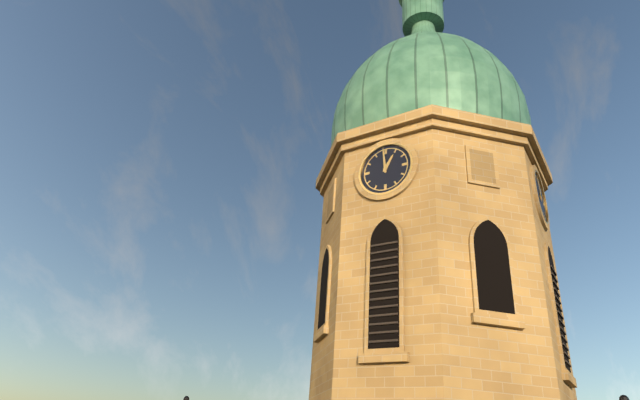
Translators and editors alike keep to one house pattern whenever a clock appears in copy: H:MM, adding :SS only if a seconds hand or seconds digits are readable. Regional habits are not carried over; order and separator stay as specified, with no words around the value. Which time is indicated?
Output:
12:59
